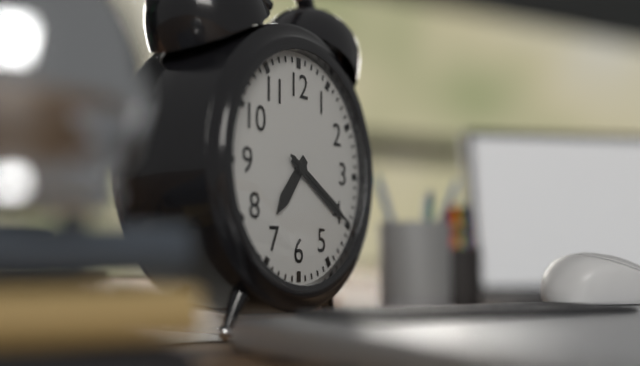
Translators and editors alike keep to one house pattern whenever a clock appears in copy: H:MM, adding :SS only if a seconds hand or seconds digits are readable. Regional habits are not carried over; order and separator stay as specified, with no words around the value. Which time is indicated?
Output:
7:20:20
